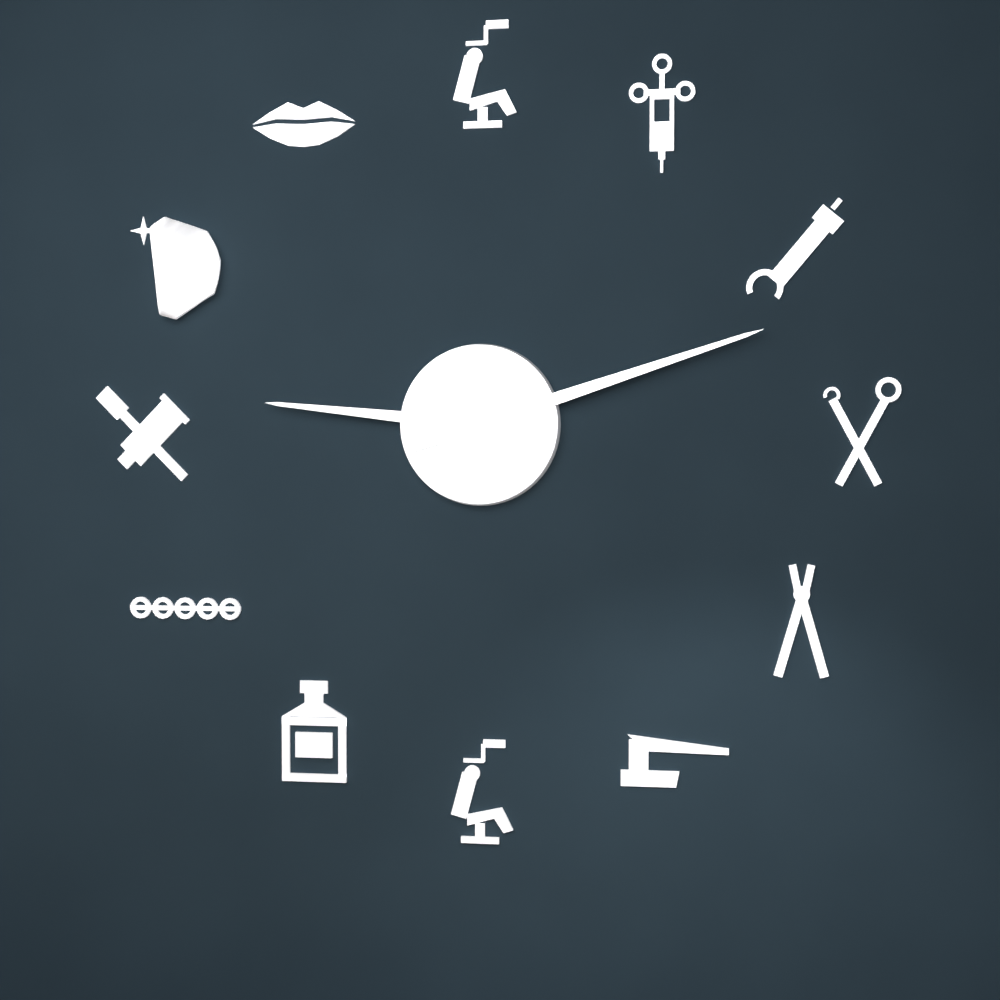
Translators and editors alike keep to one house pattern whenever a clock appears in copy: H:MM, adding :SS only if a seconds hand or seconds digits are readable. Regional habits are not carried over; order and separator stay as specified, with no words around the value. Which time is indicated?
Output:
9:12
